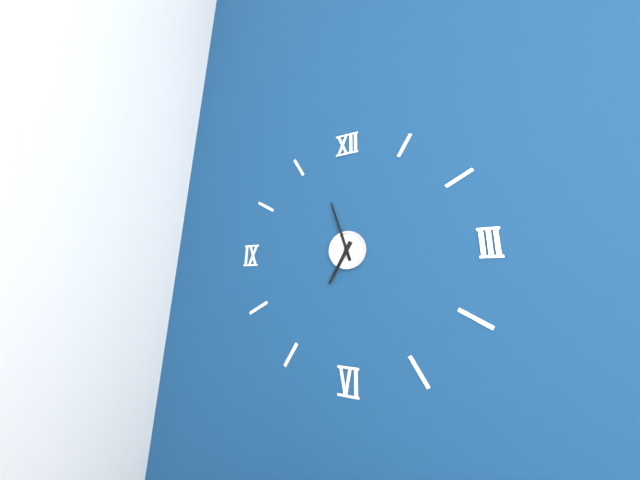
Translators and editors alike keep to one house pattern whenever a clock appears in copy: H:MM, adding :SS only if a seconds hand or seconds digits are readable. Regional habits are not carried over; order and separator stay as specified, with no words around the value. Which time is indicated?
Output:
6:57
